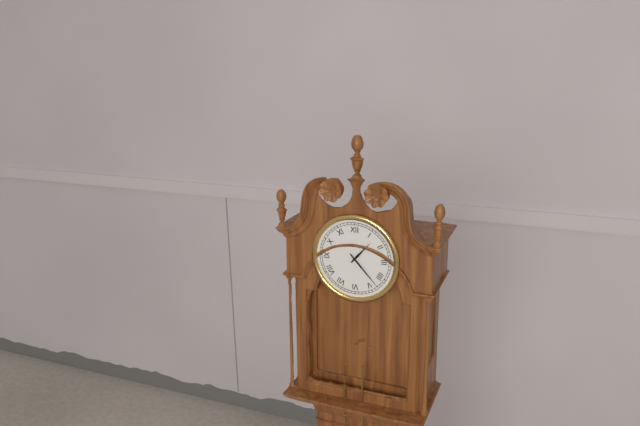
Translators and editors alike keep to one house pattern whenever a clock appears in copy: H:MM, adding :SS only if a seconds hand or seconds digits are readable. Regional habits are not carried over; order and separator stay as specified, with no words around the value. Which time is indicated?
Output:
1:23
